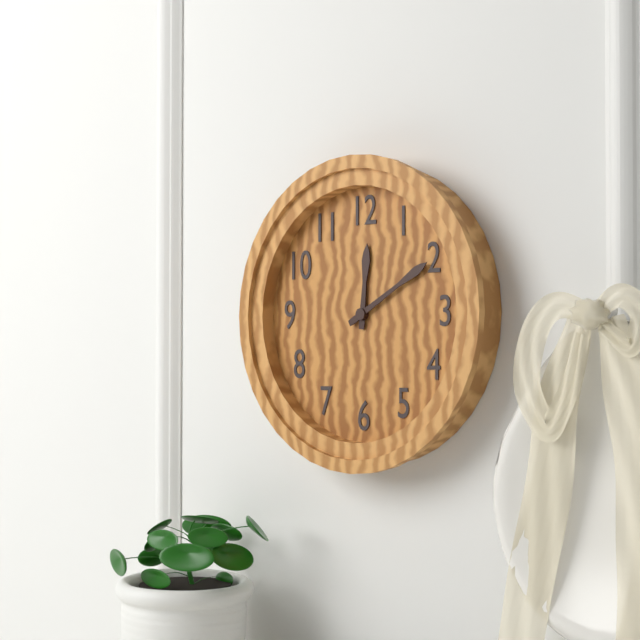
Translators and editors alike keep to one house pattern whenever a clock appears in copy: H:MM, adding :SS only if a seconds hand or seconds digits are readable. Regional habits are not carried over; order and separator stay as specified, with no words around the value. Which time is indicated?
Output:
12:10
